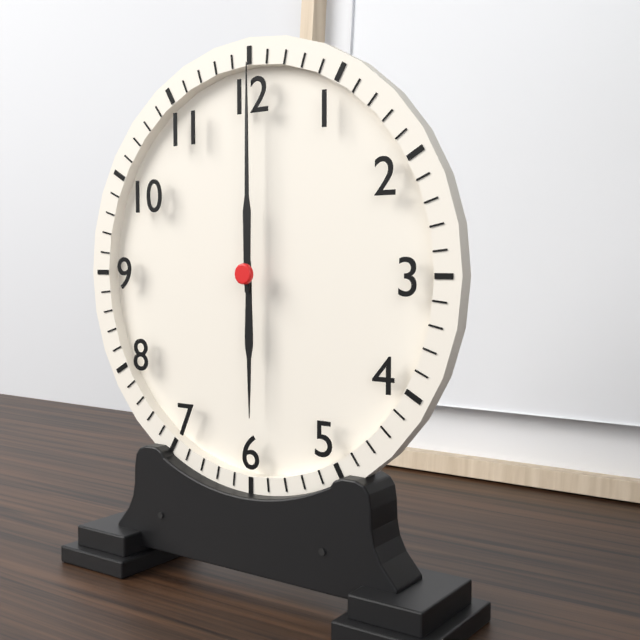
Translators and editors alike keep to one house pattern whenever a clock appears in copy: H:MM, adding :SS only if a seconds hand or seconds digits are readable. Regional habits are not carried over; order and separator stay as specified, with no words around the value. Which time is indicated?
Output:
6:00
